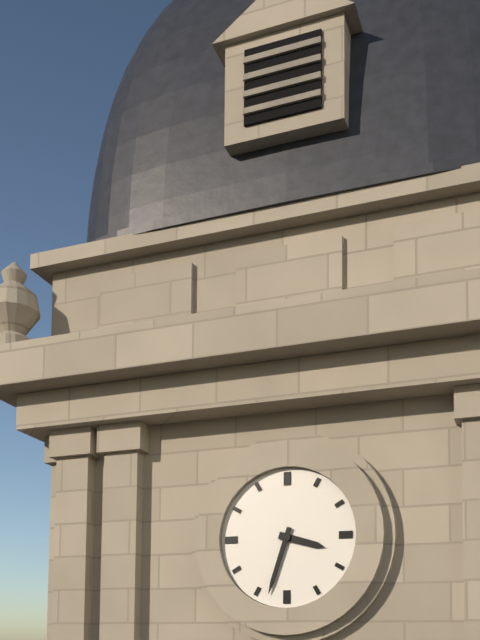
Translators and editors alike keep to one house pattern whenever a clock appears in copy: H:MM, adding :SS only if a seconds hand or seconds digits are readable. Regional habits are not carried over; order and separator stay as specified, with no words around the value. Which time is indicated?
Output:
3:33
